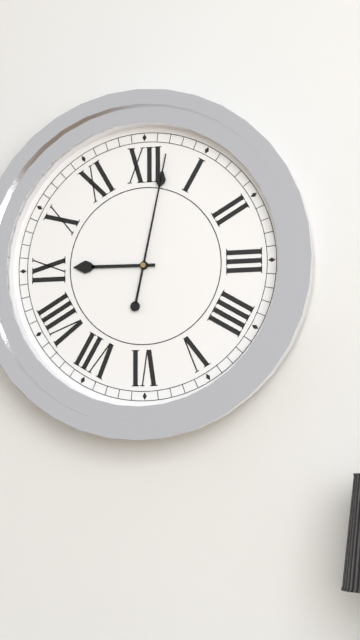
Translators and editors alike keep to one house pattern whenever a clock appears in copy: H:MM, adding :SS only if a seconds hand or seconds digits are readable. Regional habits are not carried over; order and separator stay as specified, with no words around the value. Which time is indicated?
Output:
9:02
